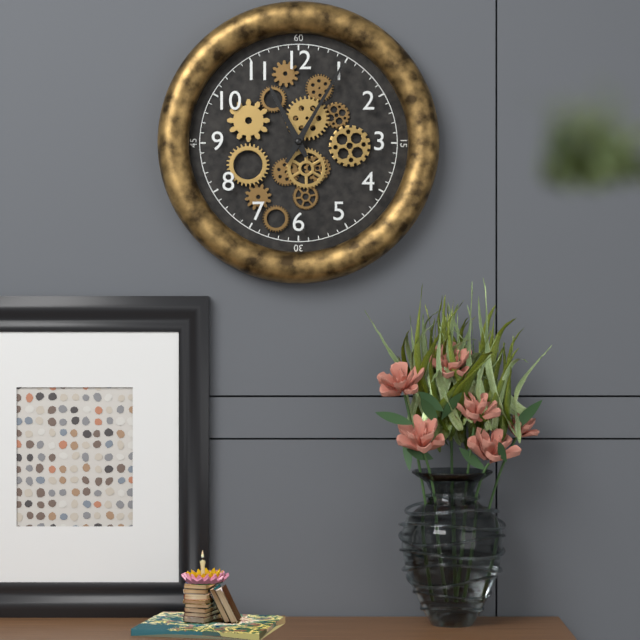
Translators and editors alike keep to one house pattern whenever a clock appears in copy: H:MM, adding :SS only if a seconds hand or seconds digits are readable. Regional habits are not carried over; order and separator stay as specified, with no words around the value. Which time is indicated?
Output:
11:05
